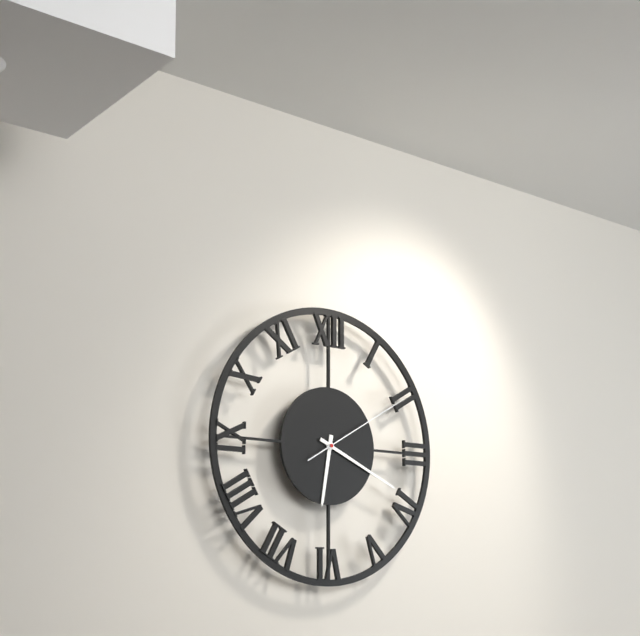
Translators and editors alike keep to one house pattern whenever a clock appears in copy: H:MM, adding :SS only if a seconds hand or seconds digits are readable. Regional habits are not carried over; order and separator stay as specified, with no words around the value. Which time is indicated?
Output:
6:19:10
